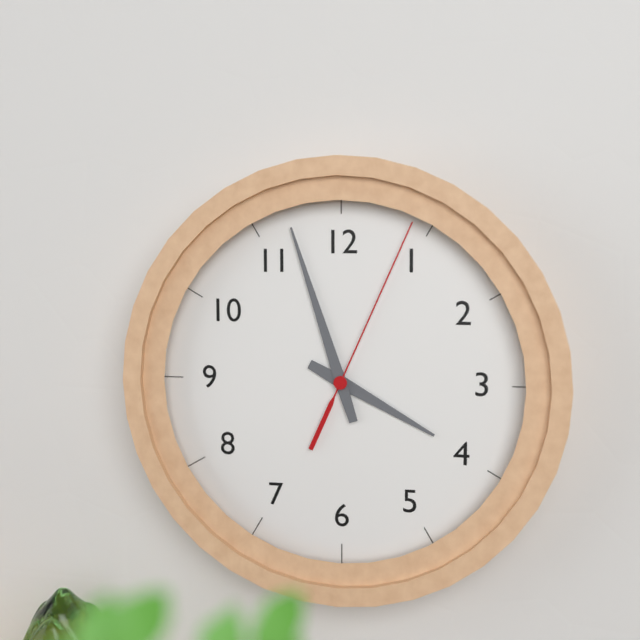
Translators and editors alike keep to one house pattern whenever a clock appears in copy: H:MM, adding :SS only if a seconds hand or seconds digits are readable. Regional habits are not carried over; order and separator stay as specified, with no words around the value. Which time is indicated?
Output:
3:57:04
